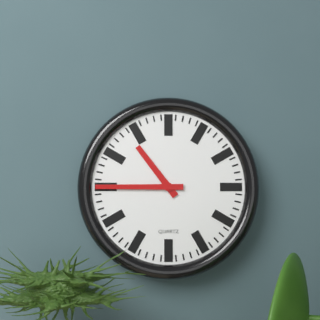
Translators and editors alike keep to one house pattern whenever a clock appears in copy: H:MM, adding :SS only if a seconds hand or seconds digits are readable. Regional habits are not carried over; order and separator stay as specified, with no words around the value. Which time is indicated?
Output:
10:45
